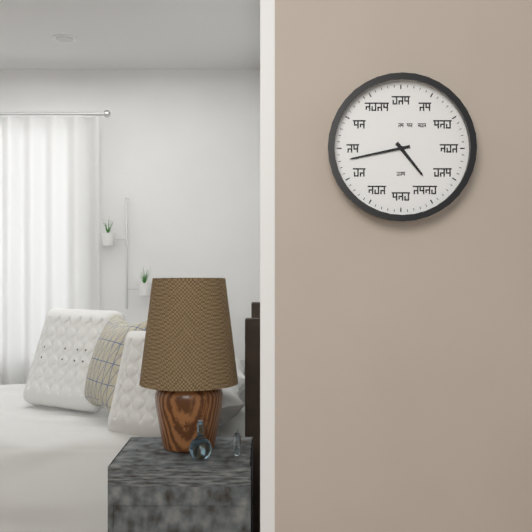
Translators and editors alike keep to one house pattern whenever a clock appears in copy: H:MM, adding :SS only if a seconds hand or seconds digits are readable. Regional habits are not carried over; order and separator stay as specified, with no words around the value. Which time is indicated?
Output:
4:43
